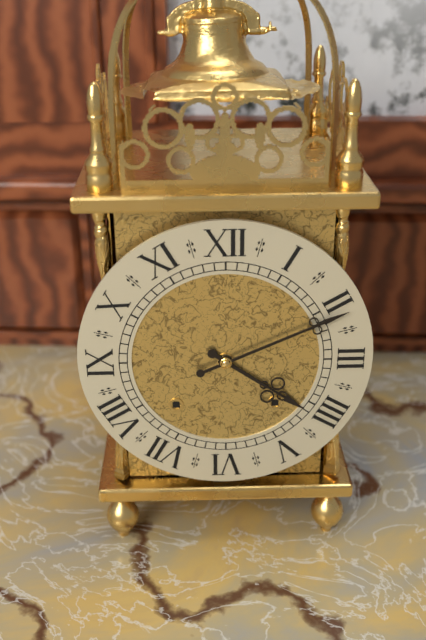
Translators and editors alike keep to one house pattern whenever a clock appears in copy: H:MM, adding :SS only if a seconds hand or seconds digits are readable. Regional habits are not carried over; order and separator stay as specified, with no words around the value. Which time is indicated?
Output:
4:11
